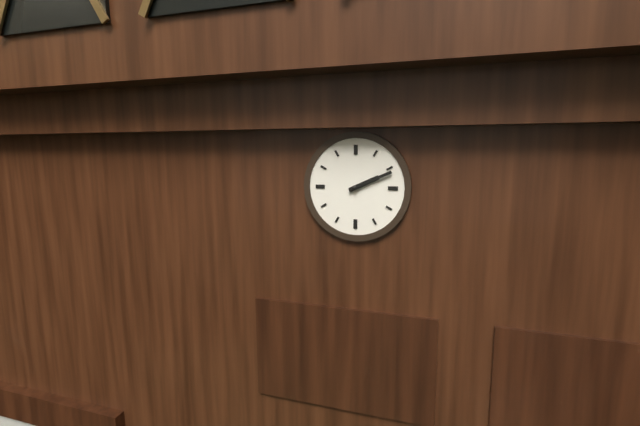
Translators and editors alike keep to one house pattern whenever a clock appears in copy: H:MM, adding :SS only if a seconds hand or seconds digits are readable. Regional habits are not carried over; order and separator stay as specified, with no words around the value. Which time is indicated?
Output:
2:11
